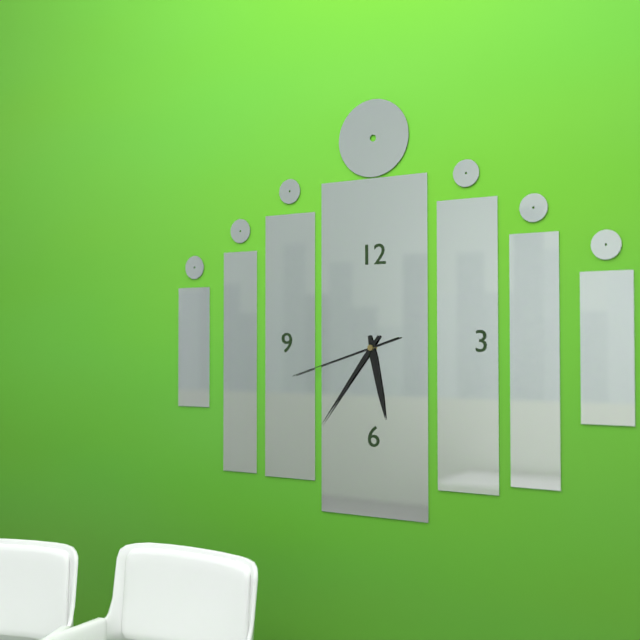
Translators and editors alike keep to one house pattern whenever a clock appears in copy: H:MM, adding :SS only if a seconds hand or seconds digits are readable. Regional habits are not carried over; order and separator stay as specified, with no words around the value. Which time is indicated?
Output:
5:36:42
